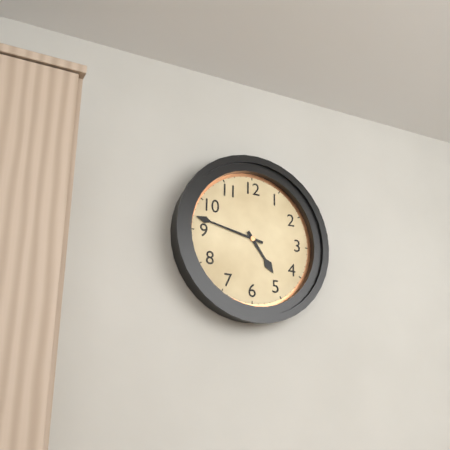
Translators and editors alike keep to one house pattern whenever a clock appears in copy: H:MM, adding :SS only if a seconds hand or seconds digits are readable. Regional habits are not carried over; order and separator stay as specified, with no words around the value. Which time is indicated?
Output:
4:47
